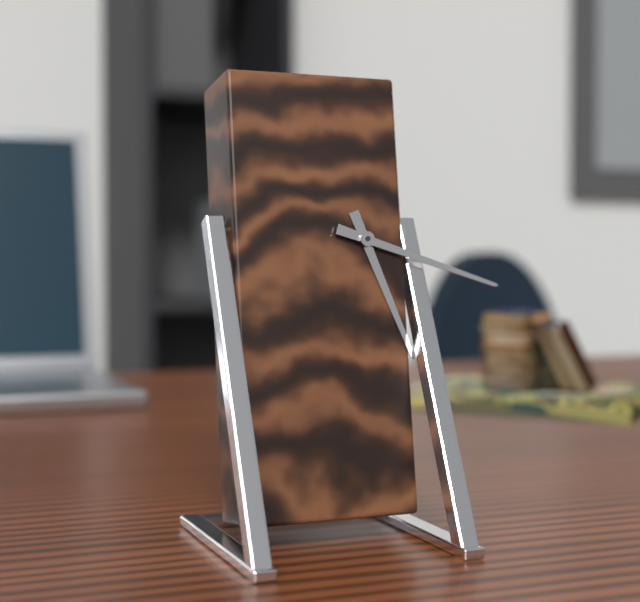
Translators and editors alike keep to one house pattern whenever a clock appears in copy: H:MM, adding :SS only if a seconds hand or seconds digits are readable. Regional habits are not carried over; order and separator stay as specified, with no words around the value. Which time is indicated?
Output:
5:18
